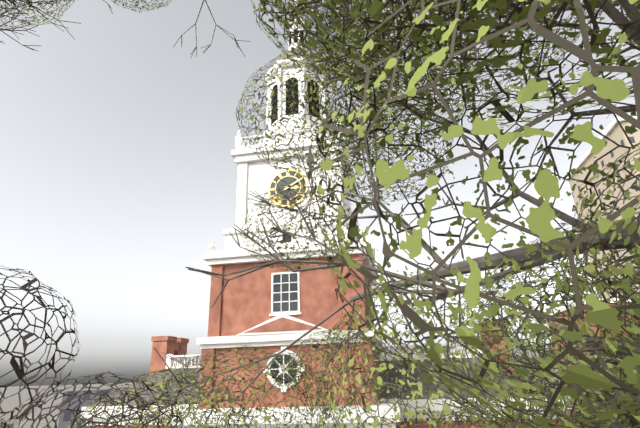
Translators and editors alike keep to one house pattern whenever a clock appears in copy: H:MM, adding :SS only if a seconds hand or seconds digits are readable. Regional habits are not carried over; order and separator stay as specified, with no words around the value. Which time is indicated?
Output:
3:10
